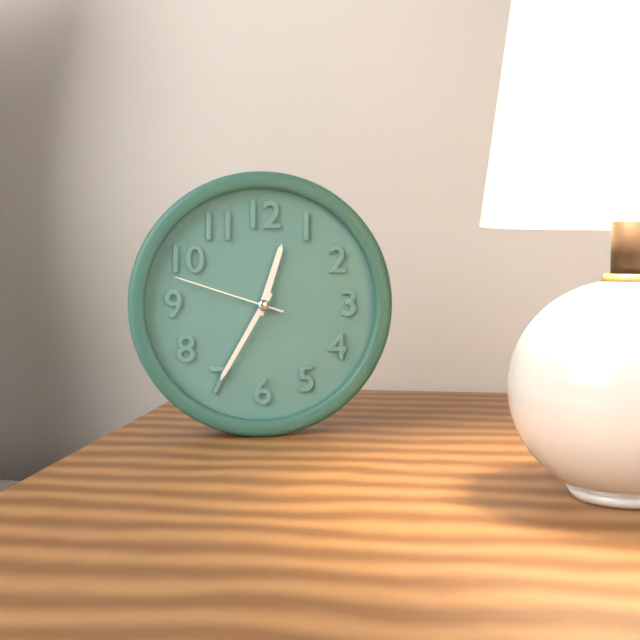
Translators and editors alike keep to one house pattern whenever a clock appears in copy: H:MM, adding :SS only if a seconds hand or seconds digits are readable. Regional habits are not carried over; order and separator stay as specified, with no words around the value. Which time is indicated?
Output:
12:35:48
